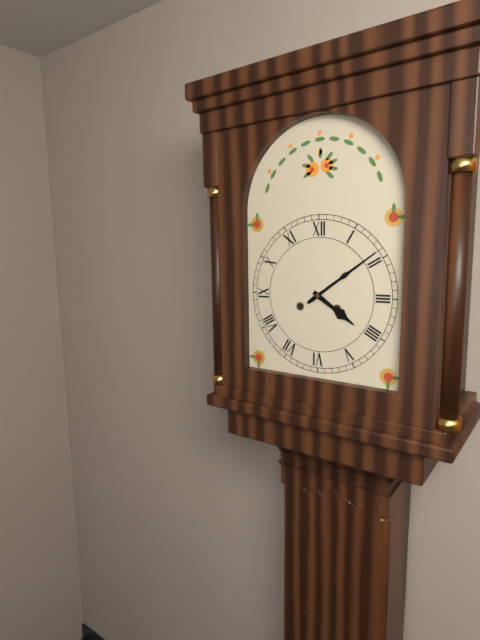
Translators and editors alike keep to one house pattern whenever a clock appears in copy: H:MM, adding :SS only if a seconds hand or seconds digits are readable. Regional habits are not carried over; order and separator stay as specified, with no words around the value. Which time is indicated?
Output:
4:09
